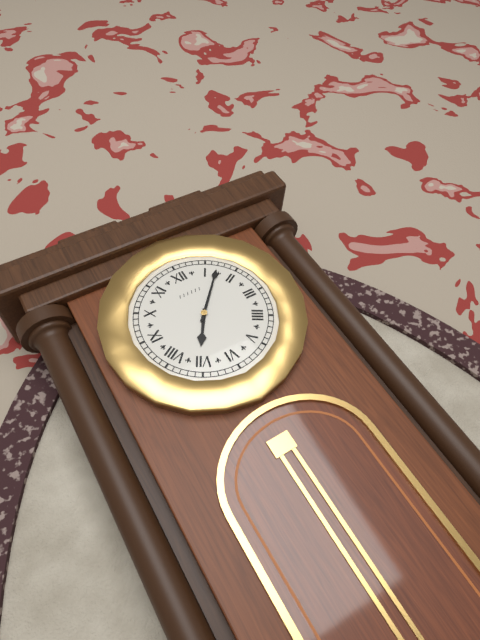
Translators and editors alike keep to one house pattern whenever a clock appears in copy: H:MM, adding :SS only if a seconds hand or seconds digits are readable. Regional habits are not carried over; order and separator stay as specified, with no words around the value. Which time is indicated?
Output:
7:07
